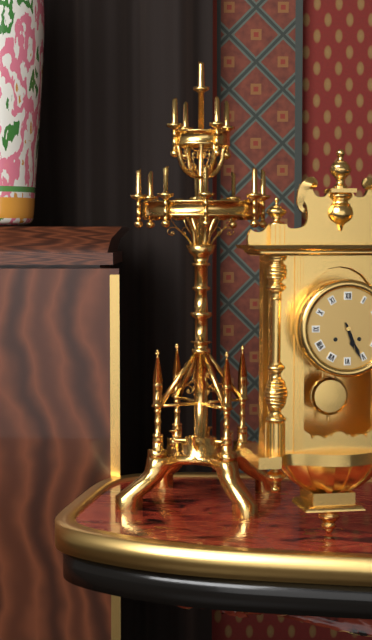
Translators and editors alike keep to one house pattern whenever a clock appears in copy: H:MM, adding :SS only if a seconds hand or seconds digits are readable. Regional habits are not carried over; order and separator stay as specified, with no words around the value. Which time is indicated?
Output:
5:26
